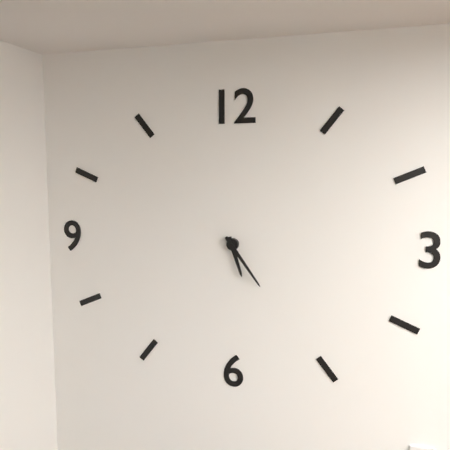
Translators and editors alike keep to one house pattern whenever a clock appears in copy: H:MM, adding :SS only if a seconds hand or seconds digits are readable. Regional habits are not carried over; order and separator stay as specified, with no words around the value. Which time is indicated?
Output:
5:24
